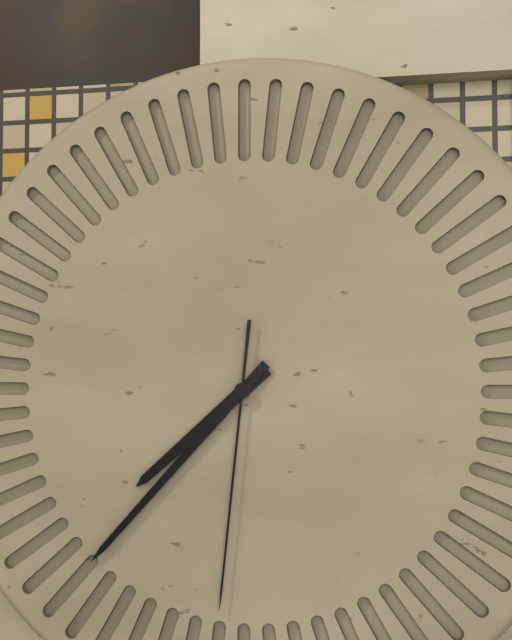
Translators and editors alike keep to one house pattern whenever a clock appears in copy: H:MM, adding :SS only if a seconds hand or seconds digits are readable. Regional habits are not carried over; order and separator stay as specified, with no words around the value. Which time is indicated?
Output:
7:37:31
